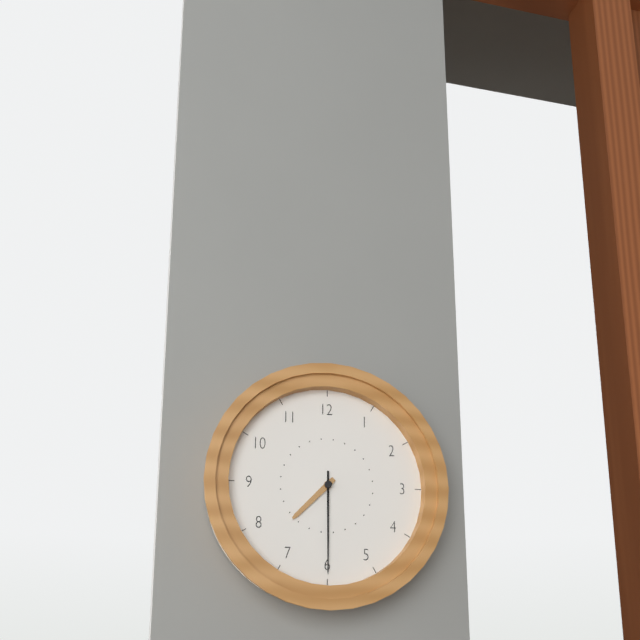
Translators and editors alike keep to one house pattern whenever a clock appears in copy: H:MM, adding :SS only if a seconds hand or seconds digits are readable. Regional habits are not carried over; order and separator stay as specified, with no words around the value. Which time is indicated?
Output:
7:30
